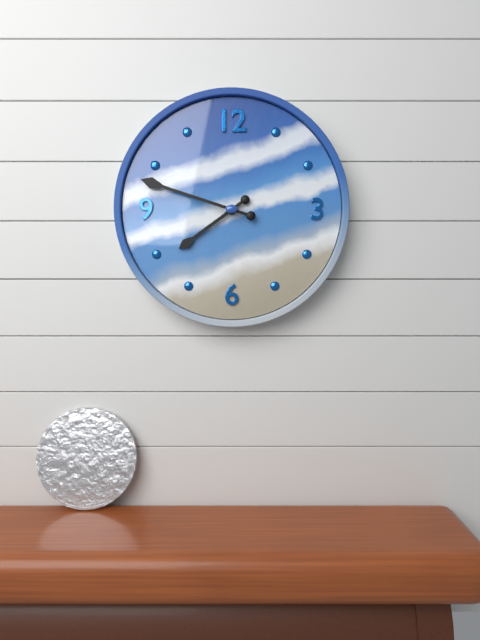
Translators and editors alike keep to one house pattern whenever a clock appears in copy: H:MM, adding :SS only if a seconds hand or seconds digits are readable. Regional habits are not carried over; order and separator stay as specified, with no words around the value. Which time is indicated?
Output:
7:48
